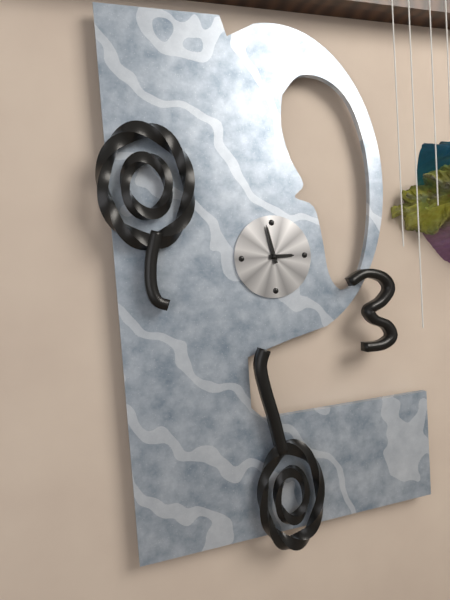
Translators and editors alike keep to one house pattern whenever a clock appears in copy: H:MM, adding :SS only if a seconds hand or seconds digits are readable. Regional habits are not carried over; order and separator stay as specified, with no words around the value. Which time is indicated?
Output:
2:58
